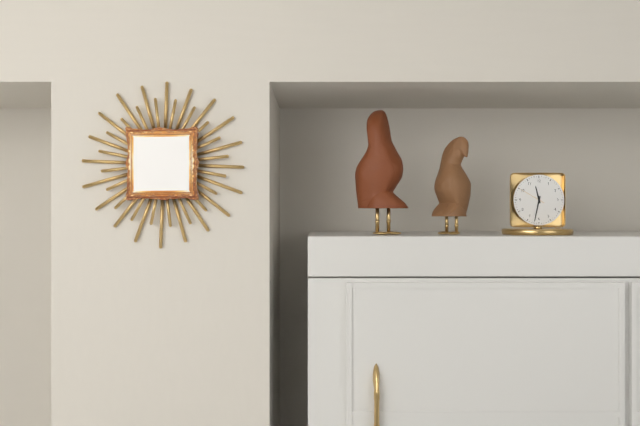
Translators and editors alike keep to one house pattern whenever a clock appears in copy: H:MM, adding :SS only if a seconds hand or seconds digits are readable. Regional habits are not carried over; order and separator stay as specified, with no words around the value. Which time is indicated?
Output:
11:32
